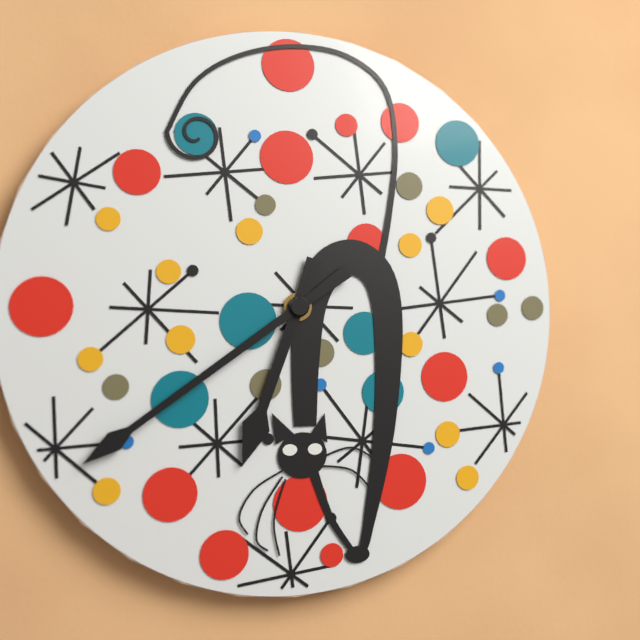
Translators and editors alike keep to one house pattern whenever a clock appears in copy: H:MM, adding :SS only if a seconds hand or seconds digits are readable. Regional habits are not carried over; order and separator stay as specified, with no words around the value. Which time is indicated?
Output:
6:39
